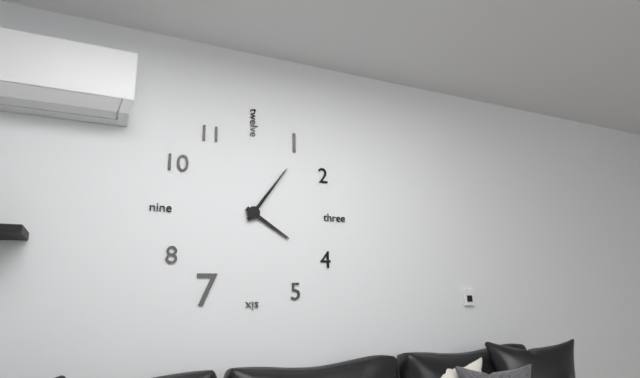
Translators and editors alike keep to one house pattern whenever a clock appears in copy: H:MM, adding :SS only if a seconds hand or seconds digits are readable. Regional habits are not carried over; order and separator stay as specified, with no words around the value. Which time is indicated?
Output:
4:06
